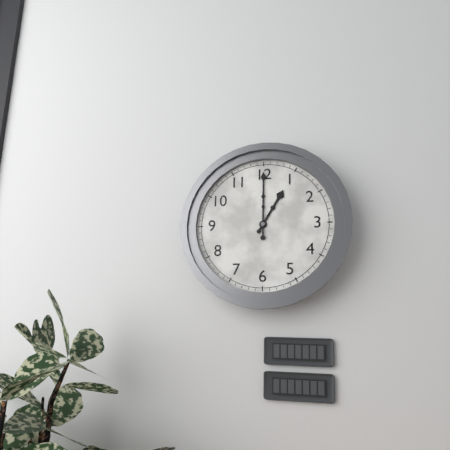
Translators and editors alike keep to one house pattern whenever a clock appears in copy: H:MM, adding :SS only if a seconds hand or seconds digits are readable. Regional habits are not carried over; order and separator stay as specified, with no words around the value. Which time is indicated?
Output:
1:00
